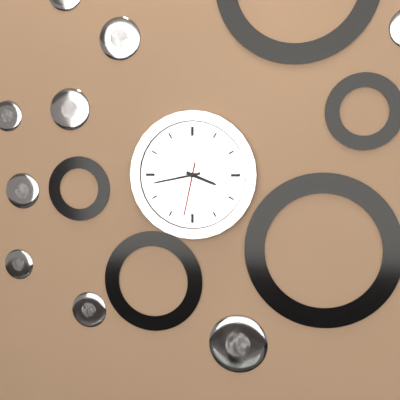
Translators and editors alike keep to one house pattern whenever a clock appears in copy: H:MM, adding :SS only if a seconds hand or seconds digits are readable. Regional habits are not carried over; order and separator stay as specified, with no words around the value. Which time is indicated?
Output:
3:43:32
